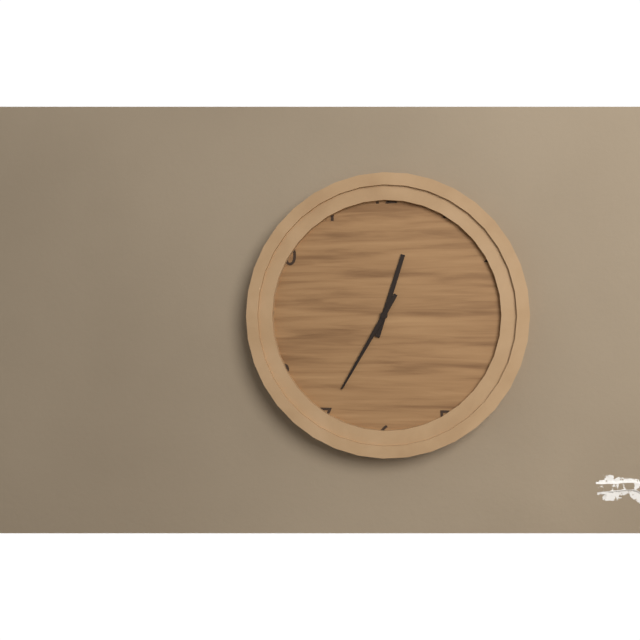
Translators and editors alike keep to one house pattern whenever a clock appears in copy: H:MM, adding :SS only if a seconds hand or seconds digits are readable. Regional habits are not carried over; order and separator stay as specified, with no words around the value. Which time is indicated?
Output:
12:35
